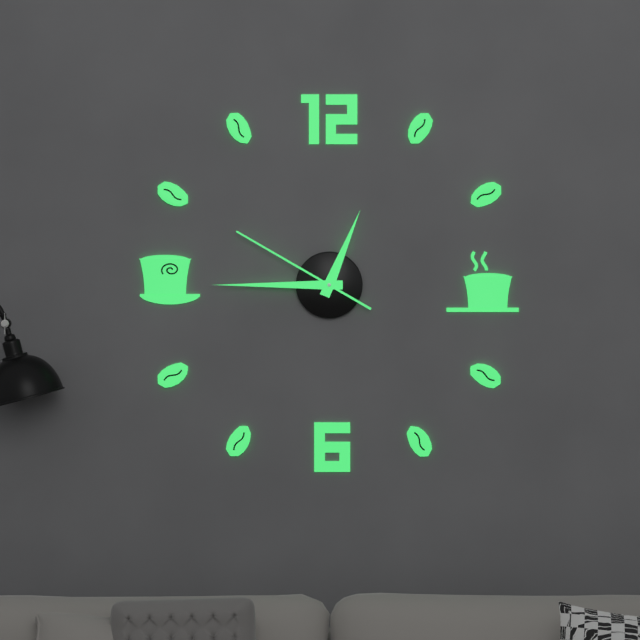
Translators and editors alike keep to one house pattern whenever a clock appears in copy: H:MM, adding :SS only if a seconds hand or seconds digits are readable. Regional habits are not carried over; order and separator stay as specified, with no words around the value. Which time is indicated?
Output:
12:45:50
